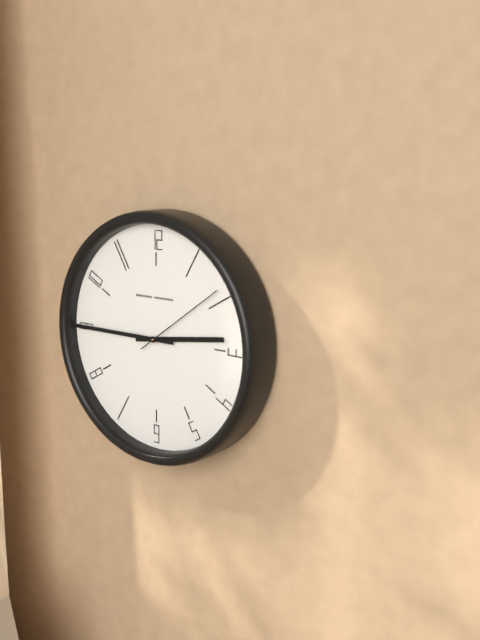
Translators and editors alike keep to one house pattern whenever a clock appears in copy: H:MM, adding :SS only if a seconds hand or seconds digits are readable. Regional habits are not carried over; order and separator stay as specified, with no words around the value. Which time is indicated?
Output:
2:45:09
